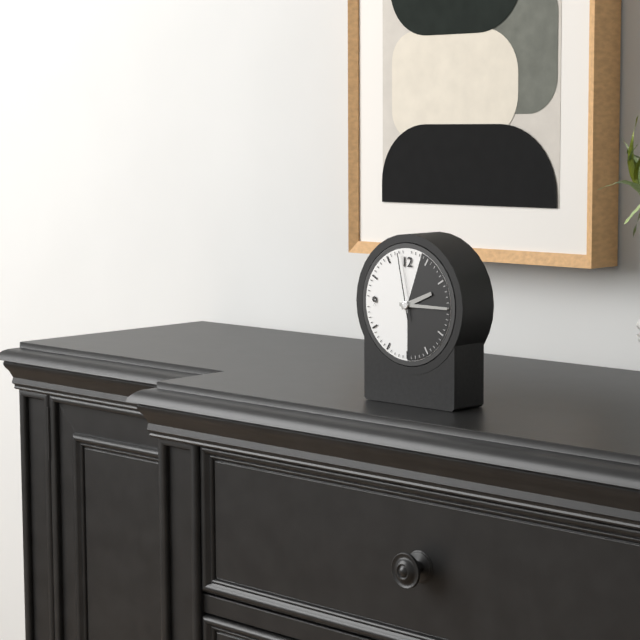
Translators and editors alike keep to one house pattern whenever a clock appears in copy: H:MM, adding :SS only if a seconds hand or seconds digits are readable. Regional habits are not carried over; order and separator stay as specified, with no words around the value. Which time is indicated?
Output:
2:15:58
